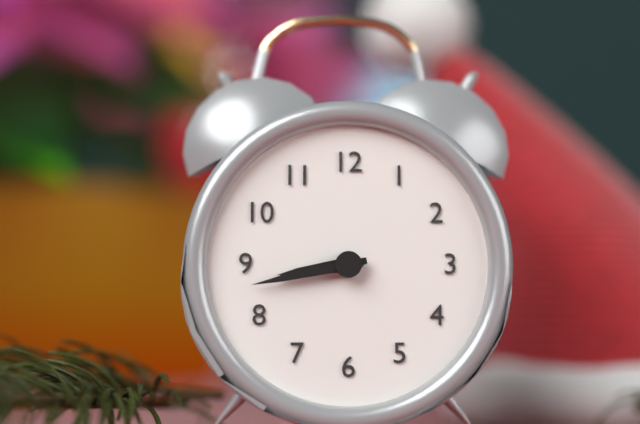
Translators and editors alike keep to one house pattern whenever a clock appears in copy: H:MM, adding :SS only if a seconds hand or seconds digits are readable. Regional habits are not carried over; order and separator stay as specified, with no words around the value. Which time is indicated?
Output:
8:43
